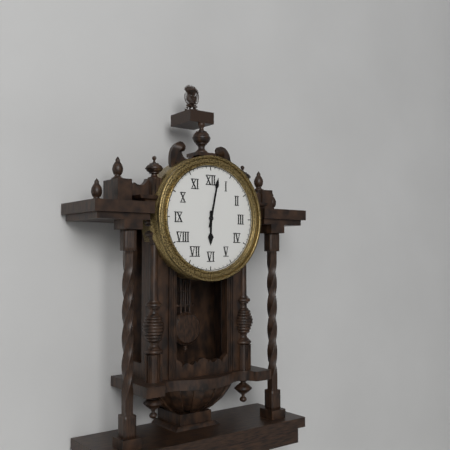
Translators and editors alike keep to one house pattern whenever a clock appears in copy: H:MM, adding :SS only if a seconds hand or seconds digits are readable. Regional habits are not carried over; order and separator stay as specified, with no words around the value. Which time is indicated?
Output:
6:02
